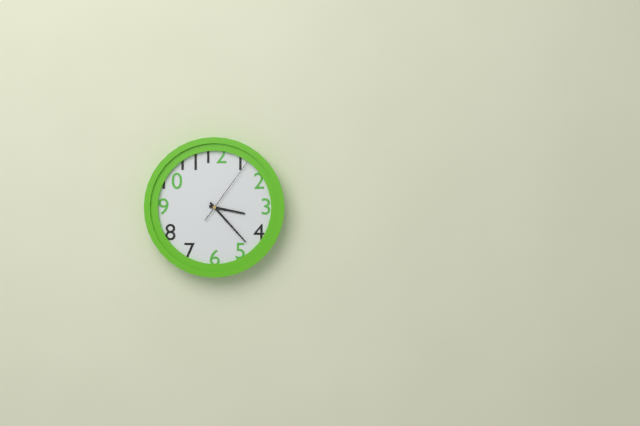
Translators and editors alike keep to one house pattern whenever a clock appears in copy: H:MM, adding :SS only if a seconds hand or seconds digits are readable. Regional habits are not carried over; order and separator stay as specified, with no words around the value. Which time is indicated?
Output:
3:23:06
